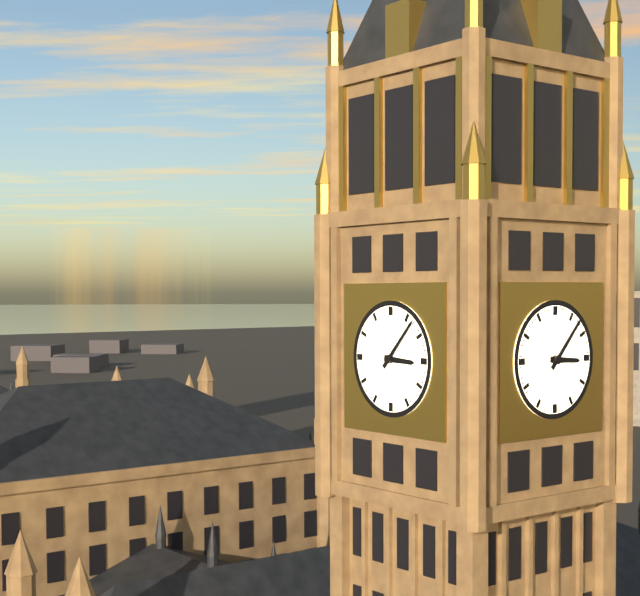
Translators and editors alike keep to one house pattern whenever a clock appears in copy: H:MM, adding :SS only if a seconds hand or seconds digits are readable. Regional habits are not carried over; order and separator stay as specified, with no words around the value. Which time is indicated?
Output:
3:07
